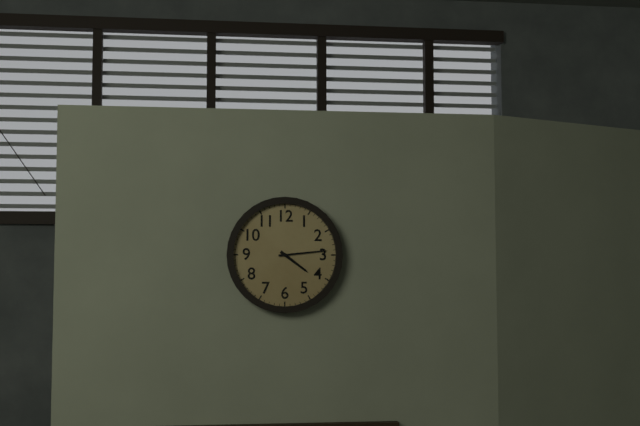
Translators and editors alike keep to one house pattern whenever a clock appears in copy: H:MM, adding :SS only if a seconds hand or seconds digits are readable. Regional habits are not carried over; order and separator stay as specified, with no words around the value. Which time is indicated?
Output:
4:14
